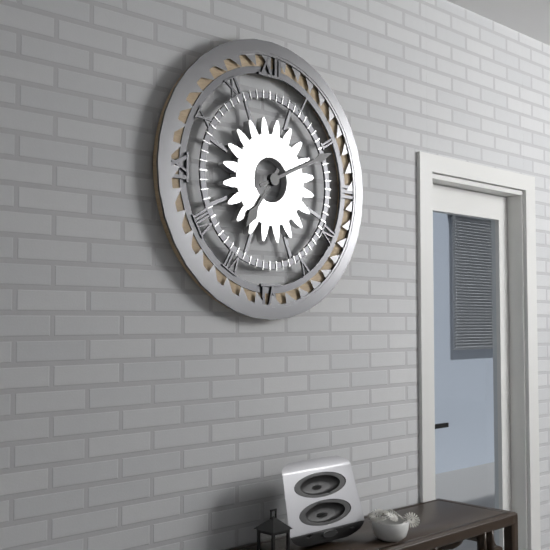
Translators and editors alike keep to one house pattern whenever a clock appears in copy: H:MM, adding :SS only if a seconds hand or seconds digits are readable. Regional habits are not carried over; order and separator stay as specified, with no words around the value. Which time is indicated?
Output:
7:11
